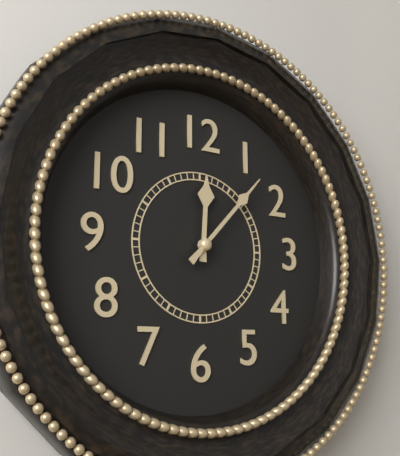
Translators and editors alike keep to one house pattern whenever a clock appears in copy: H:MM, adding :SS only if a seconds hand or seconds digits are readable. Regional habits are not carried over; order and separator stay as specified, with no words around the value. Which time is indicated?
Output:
12:07
